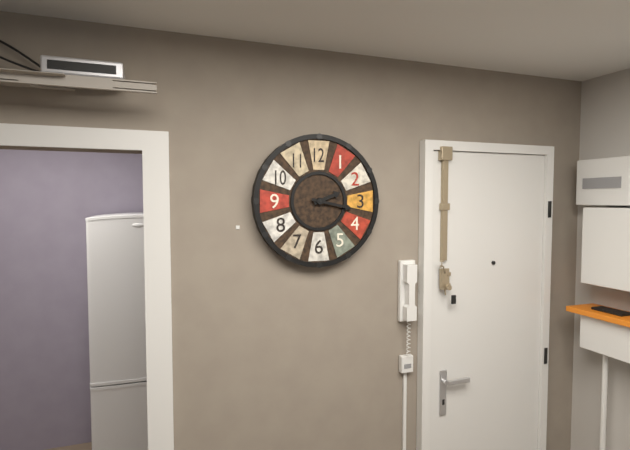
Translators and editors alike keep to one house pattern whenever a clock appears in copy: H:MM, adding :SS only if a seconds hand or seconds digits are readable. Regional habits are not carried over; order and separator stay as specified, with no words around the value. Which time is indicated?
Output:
2:17
